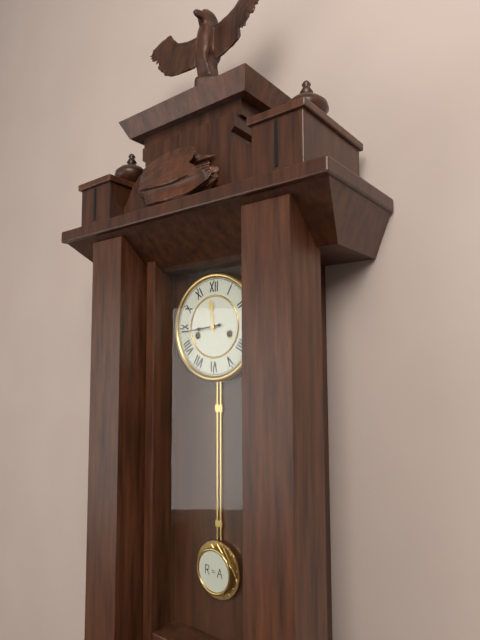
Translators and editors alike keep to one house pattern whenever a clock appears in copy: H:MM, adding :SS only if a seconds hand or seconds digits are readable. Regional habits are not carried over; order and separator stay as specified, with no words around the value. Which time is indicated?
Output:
11:44
